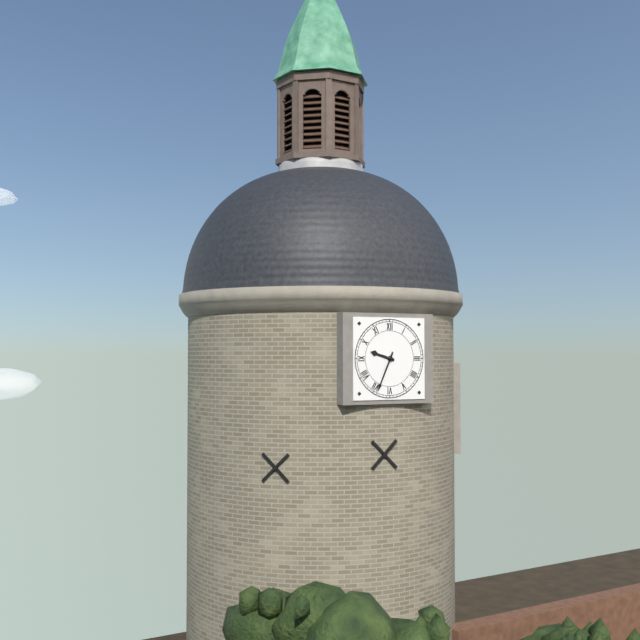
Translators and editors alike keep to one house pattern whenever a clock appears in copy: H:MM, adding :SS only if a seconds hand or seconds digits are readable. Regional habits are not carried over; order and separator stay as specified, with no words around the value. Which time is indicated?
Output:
9:34
